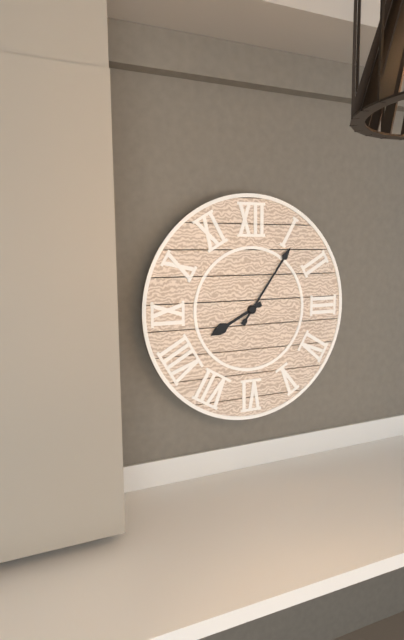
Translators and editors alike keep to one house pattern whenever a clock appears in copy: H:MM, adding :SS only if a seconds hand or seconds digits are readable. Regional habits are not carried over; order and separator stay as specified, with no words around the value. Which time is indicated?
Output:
8:06
